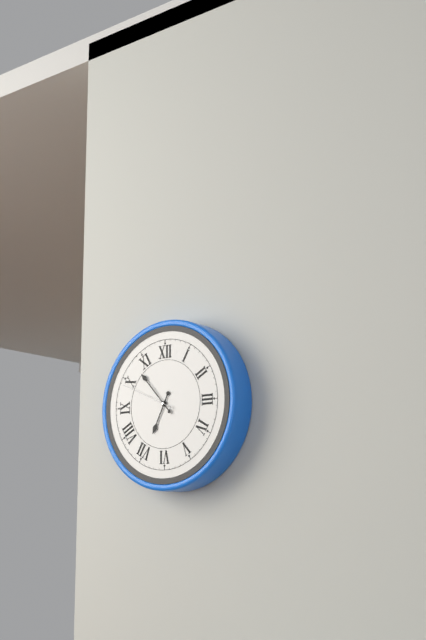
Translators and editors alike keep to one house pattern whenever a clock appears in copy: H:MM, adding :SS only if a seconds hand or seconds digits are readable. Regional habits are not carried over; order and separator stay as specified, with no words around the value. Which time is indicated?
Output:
6:53:49
